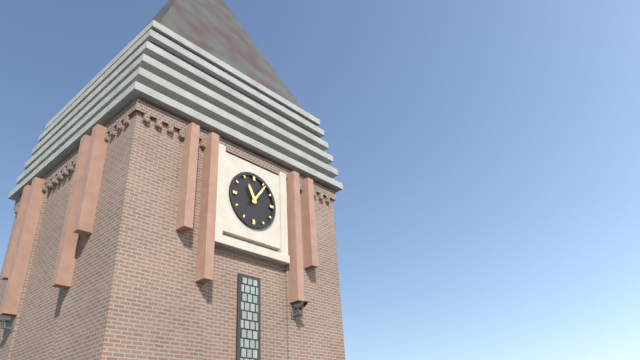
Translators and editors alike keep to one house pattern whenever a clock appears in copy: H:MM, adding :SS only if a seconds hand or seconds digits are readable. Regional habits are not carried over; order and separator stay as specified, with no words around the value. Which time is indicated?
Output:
11:06
